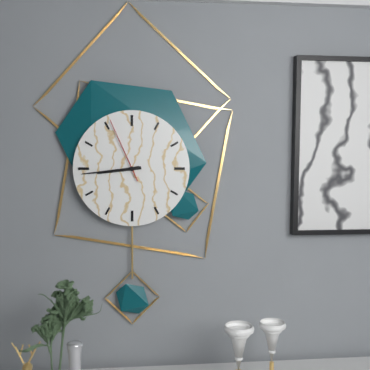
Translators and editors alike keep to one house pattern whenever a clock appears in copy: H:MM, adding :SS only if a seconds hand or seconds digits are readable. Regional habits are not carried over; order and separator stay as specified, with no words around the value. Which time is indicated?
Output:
8:44:56
